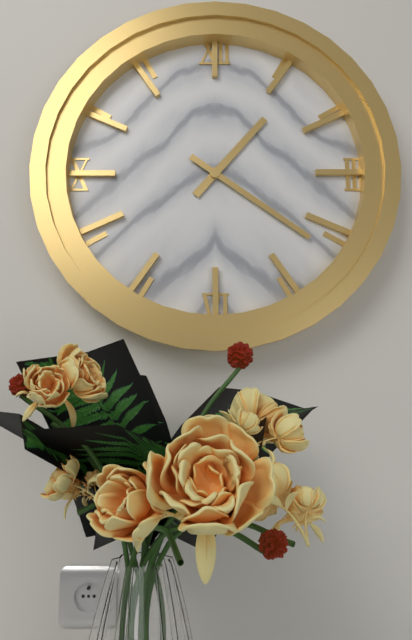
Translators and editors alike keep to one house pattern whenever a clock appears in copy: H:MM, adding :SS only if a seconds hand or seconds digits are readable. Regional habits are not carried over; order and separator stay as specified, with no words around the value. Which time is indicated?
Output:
1:21
